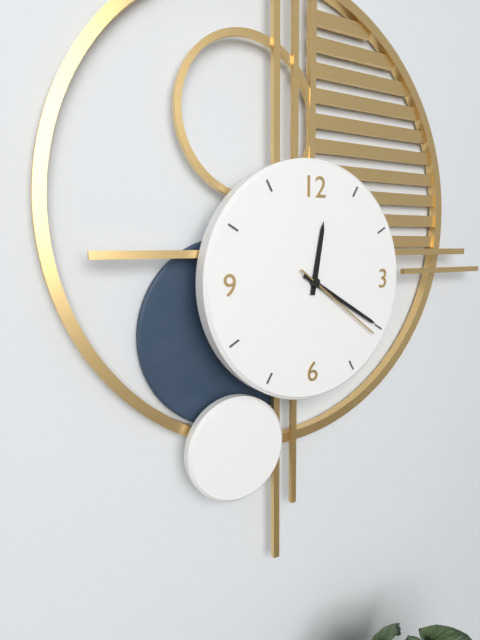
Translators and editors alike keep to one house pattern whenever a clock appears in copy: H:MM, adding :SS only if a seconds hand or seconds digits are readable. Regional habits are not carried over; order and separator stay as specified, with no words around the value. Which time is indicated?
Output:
12:20:21
